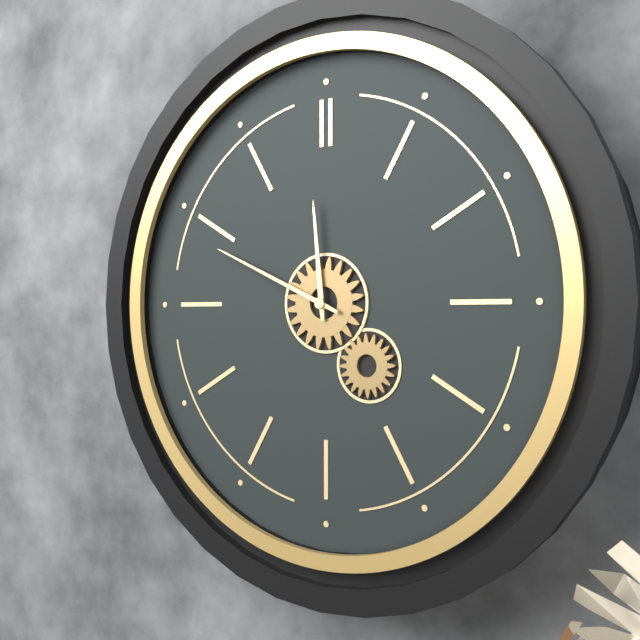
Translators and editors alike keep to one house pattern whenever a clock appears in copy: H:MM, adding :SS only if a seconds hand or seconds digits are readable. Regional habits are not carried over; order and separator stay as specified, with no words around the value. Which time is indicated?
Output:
11:49
